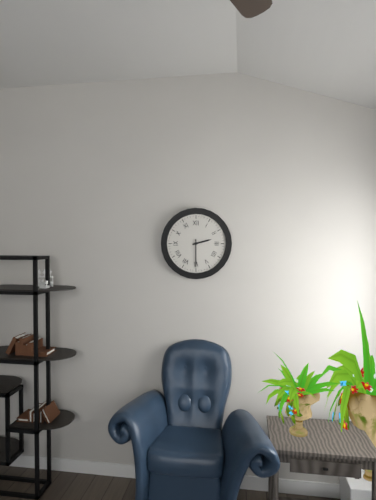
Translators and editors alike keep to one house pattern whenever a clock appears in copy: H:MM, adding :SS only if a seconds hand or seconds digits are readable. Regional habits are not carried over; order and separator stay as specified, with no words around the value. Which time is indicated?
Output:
2:30
